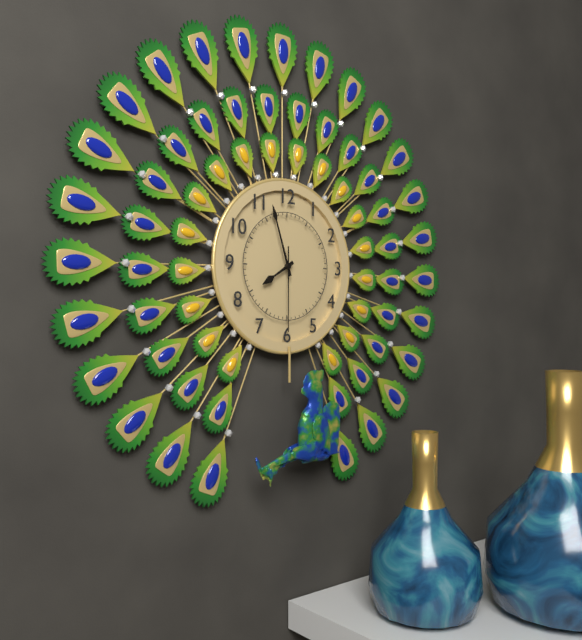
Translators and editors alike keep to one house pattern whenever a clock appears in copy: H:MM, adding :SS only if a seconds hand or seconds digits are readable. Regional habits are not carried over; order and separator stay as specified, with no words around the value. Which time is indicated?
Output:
7:57:30
